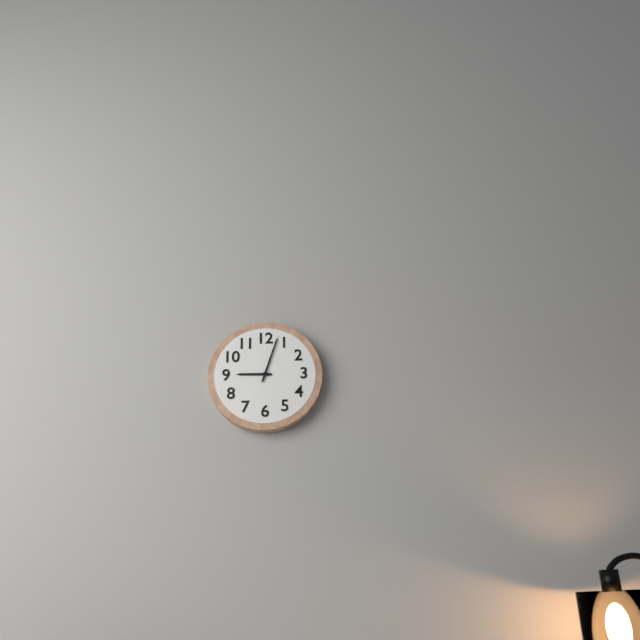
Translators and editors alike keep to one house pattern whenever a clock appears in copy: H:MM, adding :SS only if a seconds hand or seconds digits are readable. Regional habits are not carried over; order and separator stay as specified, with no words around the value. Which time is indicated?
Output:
9:03
